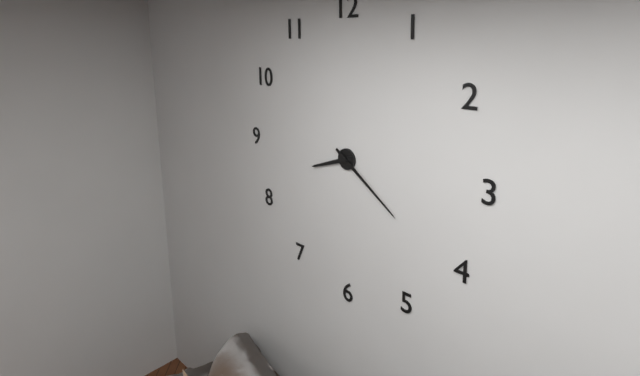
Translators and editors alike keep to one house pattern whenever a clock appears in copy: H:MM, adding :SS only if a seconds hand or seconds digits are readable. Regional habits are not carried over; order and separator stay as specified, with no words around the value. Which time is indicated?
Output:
8:21
